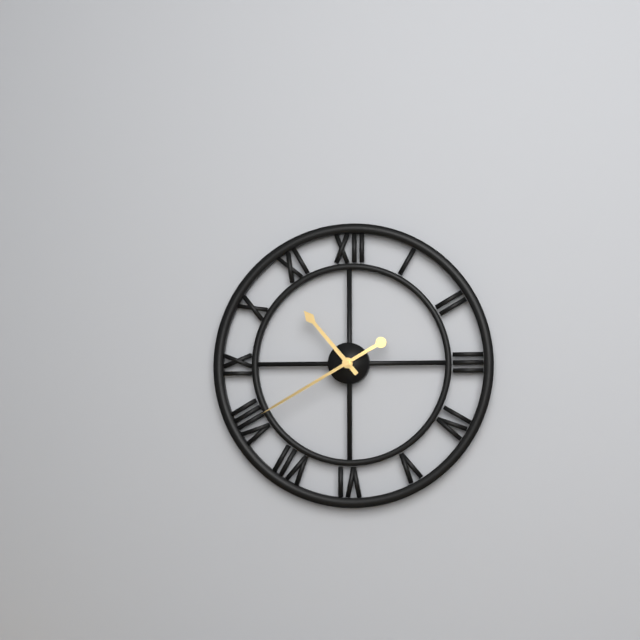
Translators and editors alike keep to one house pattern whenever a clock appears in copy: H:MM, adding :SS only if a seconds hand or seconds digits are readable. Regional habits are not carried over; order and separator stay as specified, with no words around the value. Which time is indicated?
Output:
10:40
